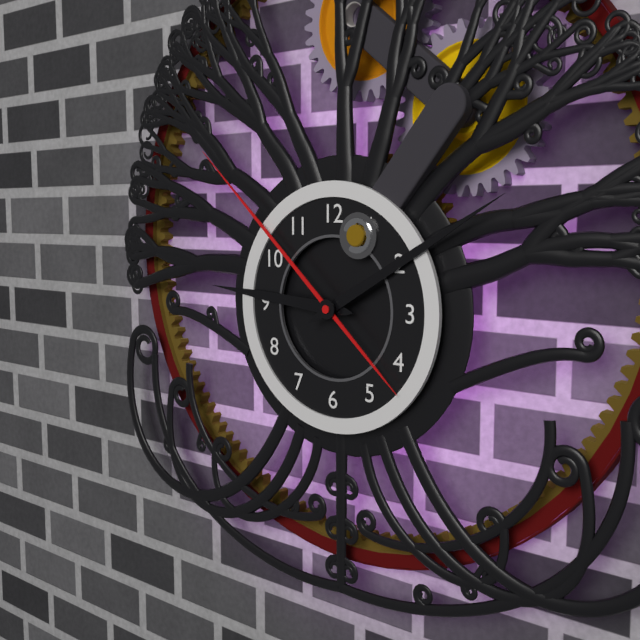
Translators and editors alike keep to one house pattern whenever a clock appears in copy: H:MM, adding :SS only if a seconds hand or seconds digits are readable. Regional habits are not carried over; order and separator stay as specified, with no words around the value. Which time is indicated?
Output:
9:10:52
